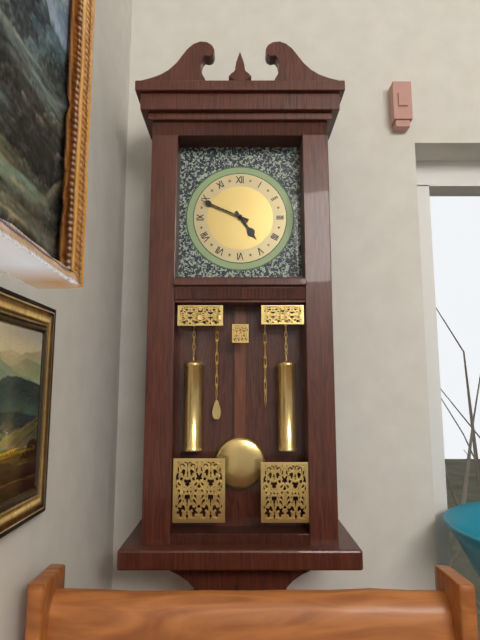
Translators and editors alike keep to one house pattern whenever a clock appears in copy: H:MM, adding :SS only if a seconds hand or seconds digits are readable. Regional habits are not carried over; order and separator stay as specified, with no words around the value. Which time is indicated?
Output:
4:49
